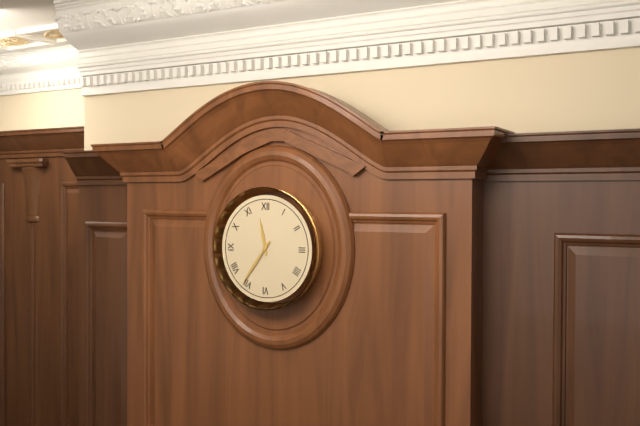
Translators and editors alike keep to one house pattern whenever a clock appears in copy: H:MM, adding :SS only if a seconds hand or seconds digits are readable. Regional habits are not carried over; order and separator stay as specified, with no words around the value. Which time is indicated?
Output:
11:36
